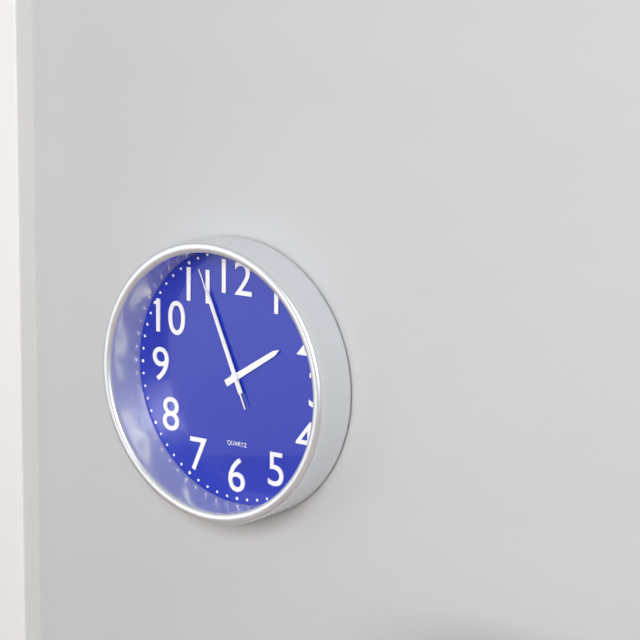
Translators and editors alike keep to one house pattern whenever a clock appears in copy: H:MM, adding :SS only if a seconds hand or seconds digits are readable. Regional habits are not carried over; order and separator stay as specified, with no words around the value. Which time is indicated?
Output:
1:56:56
